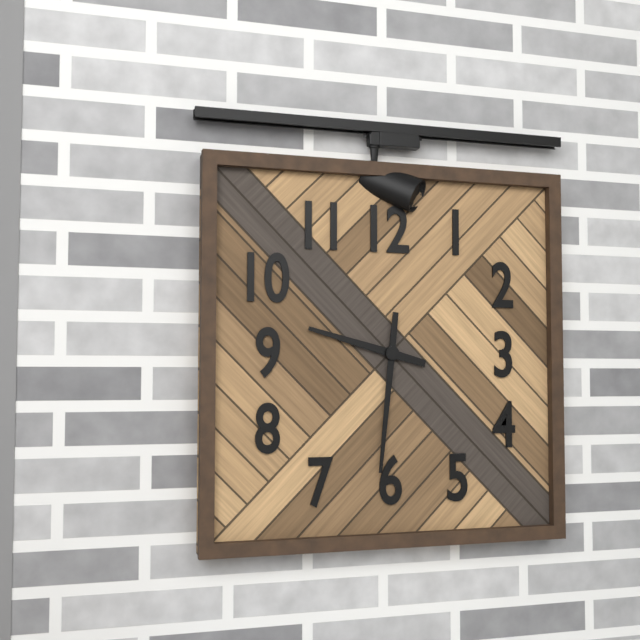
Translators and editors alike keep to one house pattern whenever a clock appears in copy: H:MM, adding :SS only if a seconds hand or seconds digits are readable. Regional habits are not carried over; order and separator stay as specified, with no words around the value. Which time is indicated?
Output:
9:31
